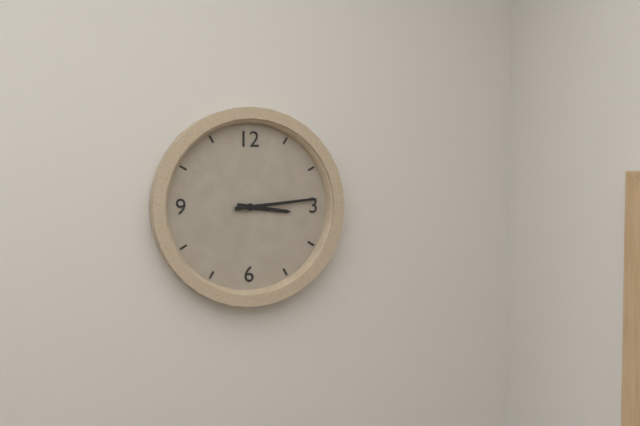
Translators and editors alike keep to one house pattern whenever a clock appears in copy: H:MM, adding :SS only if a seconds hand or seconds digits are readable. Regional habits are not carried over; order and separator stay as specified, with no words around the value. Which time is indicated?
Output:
3:14
